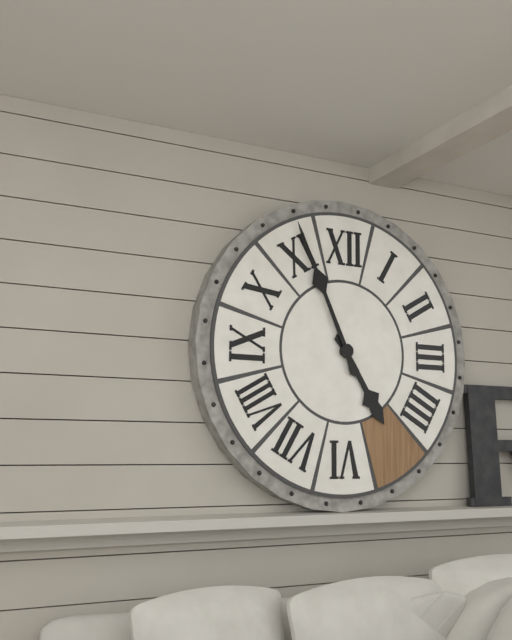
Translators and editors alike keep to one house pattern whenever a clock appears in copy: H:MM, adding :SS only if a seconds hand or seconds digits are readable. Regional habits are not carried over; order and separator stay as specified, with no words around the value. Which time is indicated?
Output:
4:56
